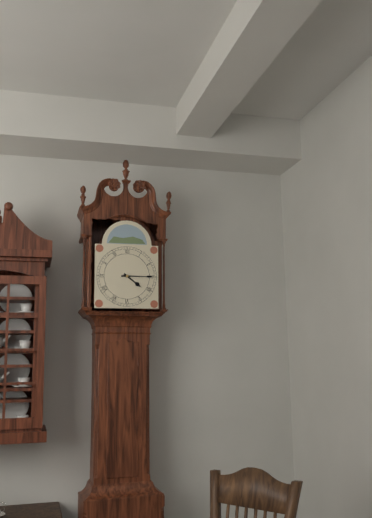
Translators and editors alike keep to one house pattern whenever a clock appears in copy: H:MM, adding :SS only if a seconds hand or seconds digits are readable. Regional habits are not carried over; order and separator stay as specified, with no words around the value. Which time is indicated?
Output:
4:15
